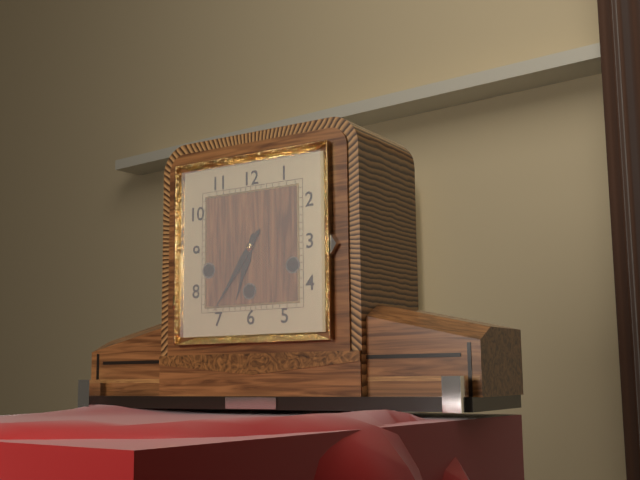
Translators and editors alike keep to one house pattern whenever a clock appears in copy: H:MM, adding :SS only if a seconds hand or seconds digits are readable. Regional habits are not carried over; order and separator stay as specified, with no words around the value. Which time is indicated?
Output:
6:36
